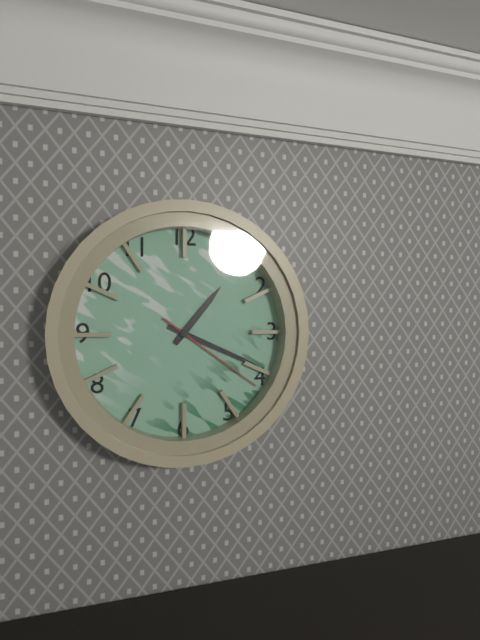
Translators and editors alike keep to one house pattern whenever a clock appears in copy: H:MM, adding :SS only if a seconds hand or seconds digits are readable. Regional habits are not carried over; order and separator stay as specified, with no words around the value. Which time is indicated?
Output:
1:19:21
